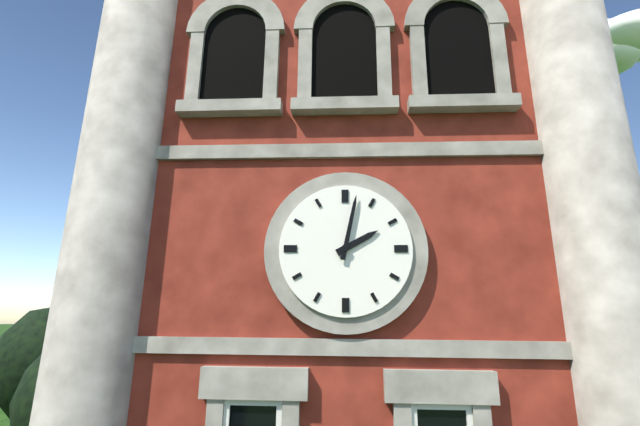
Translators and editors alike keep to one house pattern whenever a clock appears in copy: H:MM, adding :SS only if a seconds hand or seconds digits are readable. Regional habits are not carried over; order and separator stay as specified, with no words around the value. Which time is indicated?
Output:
2:02
